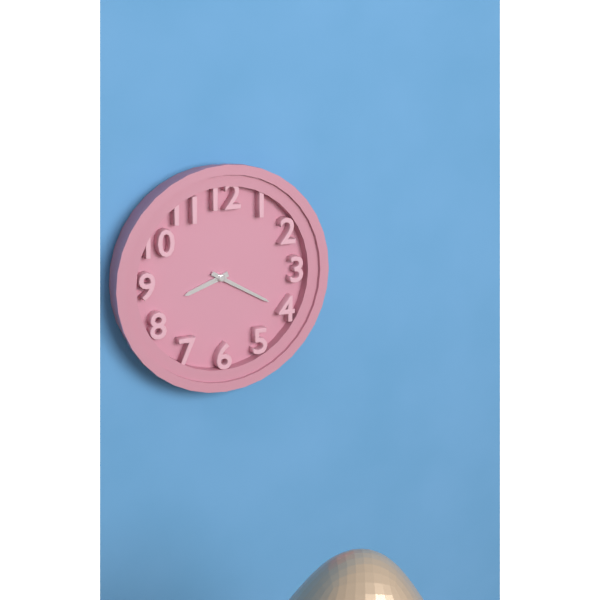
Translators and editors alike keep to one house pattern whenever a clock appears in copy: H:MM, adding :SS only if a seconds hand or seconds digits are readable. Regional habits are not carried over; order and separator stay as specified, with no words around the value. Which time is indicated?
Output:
8:20
